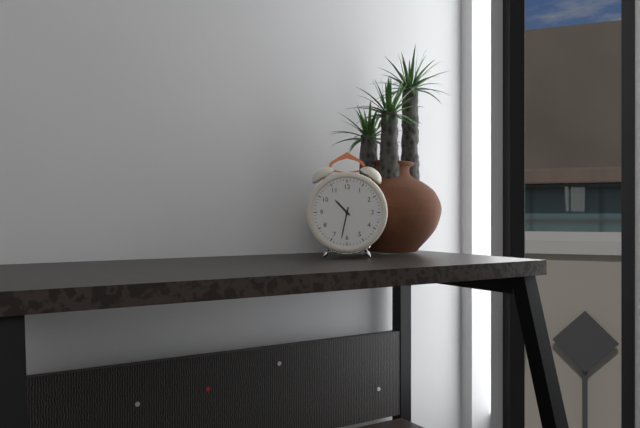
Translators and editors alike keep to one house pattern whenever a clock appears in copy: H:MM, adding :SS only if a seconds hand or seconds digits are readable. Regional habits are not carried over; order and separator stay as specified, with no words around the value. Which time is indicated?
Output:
10:32
